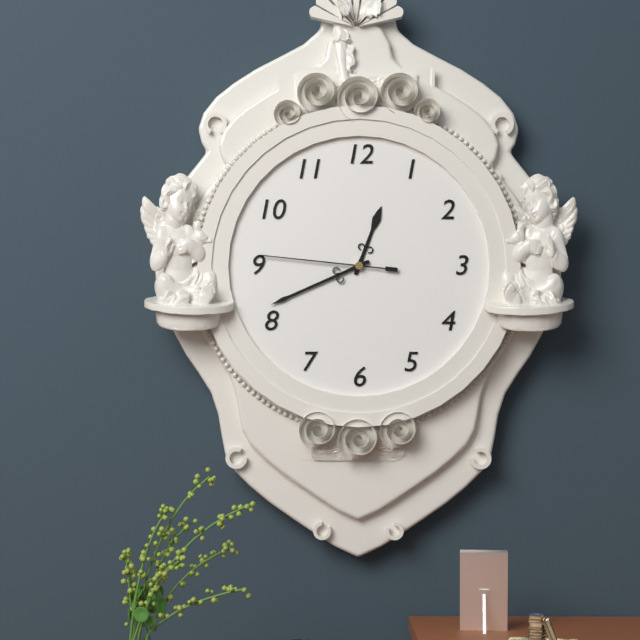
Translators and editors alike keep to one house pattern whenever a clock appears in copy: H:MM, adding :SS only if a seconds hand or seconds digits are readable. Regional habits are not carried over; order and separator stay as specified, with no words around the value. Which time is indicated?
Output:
12:41:46
